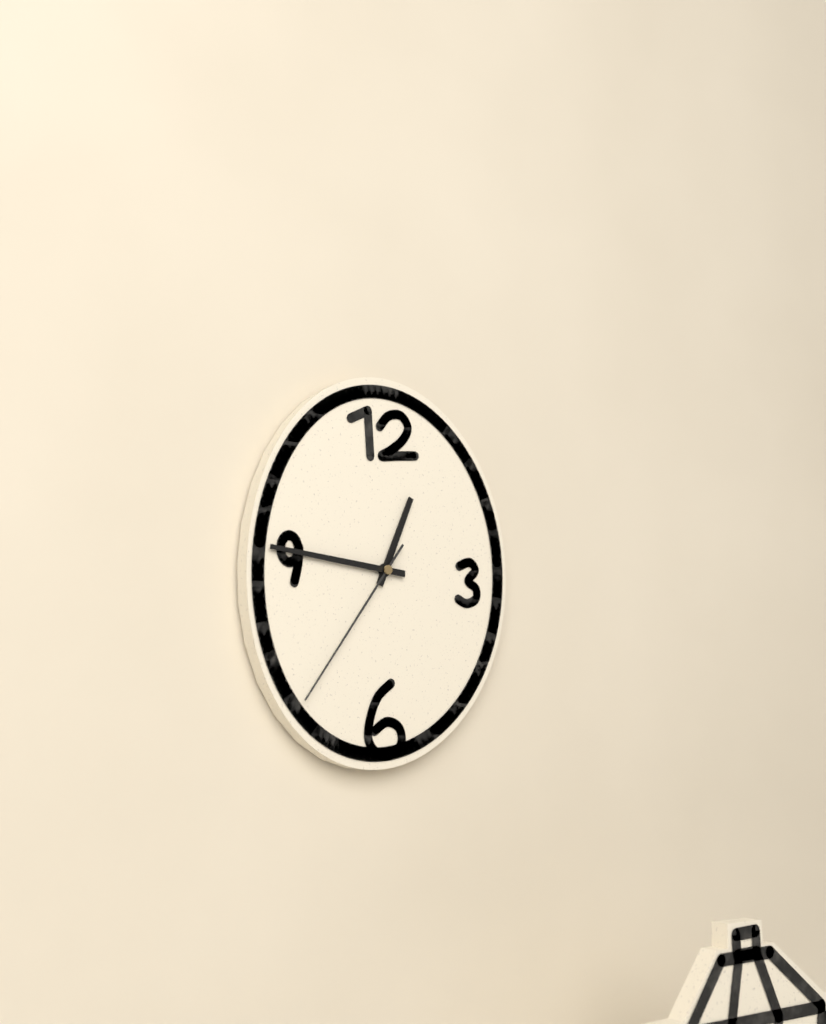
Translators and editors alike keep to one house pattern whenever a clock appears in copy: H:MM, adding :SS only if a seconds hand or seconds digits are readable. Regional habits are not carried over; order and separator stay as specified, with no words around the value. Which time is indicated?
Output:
12:46:36
